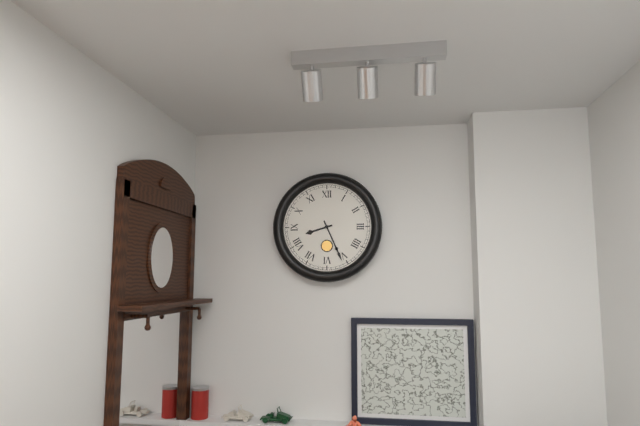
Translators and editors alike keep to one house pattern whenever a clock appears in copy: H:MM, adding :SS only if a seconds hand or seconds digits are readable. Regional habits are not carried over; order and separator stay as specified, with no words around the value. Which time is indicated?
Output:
8:26
